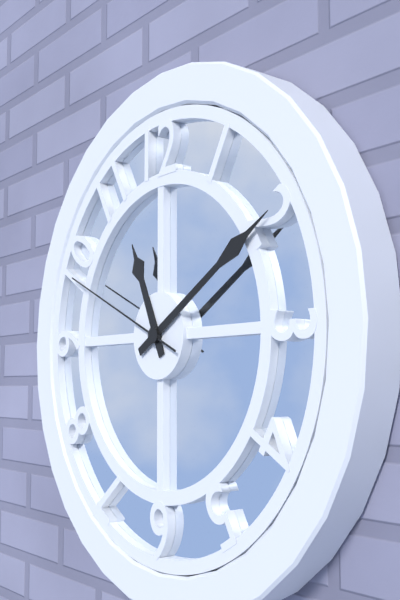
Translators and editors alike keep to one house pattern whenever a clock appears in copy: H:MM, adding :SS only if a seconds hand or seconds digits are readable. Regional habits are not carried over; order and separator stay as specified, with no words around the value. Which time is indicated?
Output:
11:10:49
